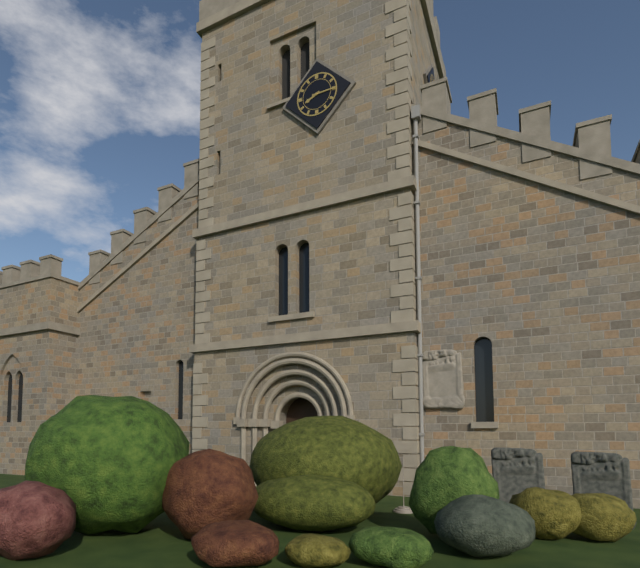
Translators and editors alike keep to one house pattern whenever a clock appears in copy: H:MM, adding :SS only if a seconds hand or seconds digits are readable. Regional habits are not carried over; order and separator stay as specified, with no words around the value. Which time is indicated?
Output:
8:15
